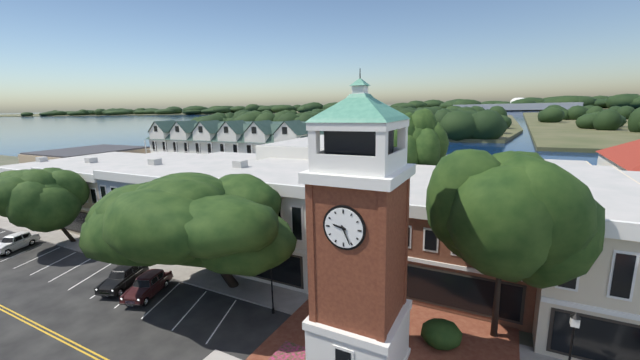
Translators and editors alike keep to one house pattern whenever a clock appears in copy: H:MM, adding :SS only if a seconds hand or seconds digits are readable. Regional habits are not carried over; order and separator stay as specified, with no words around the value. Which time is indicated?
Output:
9:26
